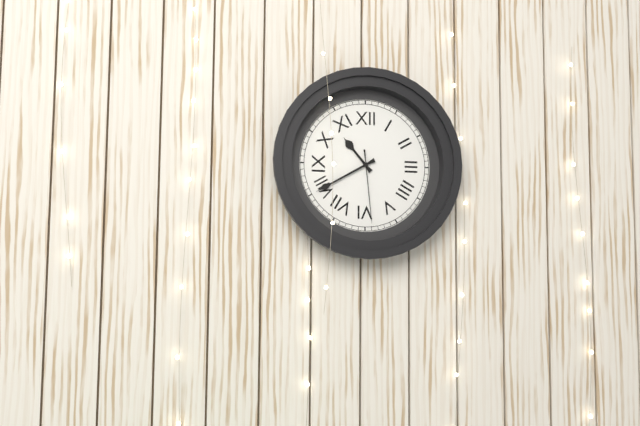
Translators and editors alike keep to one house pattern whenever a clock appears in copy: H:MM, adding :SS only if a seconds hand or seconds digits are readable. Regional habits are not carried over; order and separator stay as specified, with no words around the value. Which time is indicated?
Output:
10:40:29
